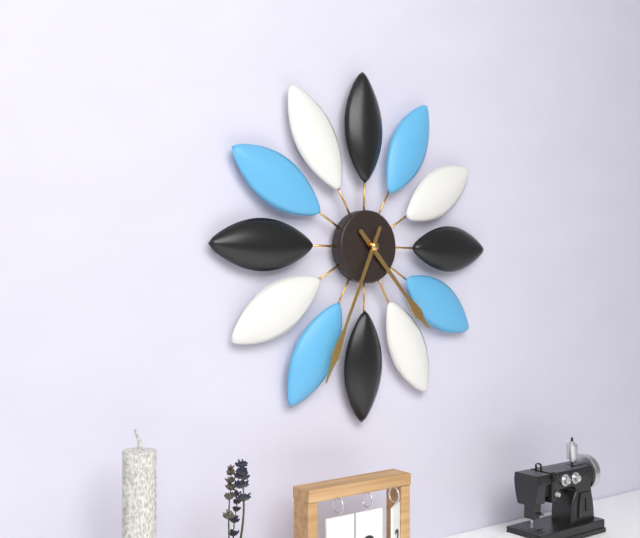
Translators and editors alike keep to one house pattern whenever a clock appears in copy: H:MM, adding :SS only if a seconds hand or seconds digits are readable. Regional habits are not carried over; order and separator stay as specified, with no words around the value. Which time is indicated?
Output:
4:34
